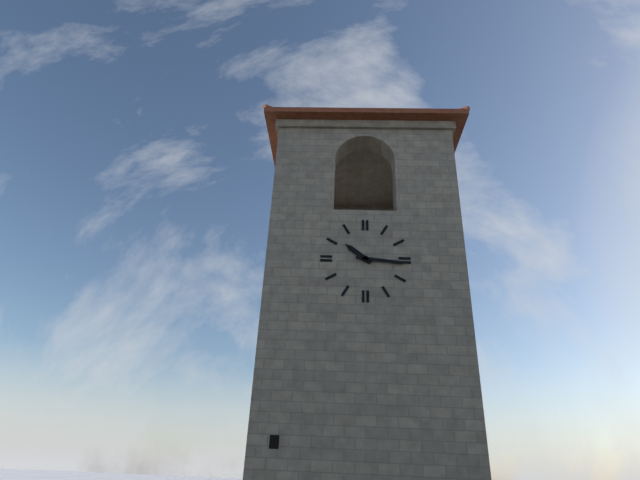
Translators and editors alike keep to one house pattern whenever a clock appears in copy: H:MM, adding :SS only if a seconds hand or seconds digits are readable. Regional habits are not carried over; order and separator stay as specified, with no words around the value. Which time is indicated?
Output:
10:16
